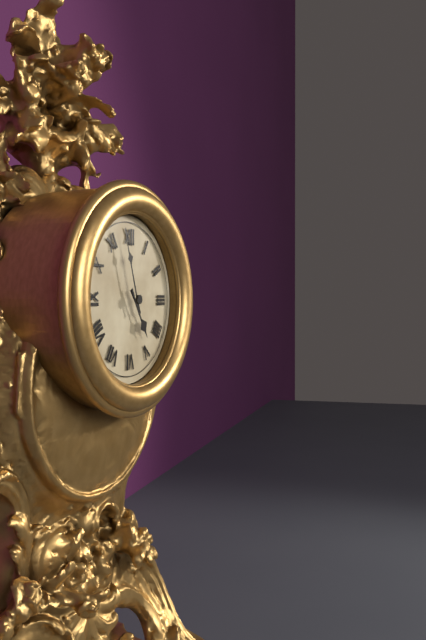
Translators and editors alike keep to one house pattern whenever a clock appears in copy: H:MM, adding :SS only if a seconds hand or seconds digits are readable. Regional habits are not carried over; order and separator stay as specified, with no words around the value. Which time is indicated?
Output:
4:57
